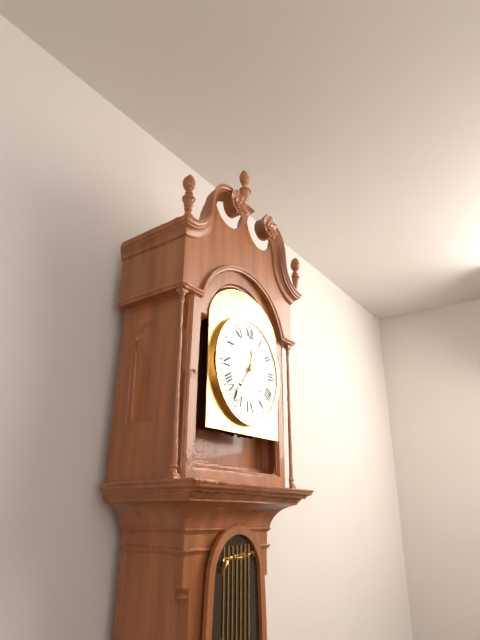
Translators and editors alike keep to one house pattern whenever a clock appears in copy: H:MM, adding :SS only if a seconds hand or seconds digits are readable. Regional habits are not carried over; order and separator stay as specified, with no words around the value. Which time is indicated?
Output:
12:36
